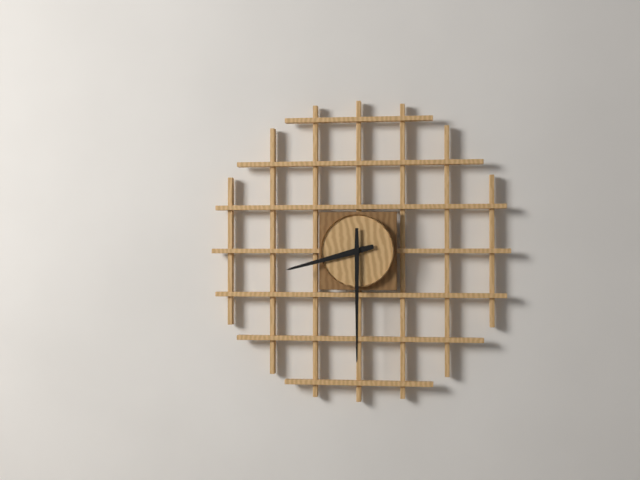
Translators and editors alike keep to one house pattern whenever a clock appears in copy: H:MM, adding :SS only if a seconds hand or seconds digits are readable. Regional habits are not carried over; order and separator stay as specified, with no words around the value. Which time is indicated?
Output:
8:30
